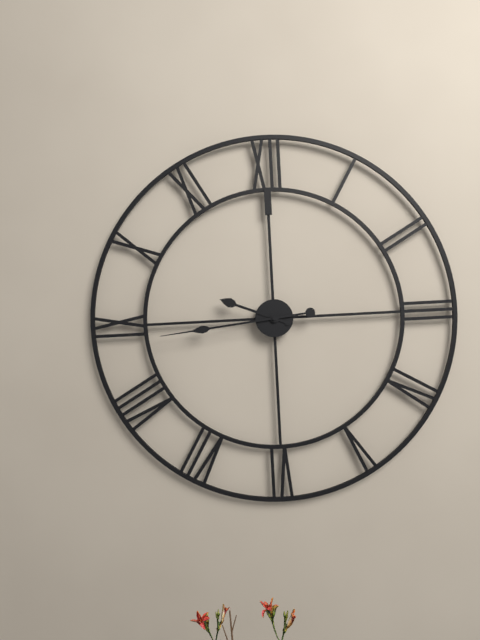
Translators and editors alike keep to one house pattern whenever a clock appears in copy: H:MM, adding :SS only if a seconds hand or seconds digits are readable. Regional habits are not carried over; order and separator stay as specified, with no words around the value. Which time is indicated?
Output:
9:44
